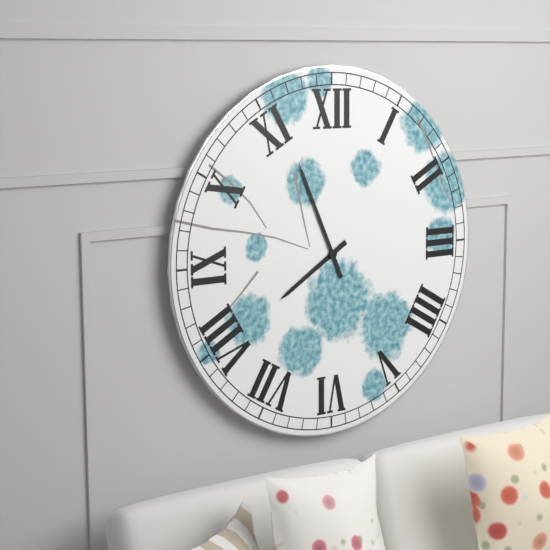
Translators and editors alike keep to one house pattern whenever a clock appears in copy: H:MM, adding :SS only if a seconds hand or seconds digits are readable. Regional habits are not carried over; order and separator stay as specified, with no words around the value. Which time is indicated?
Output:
7:56
